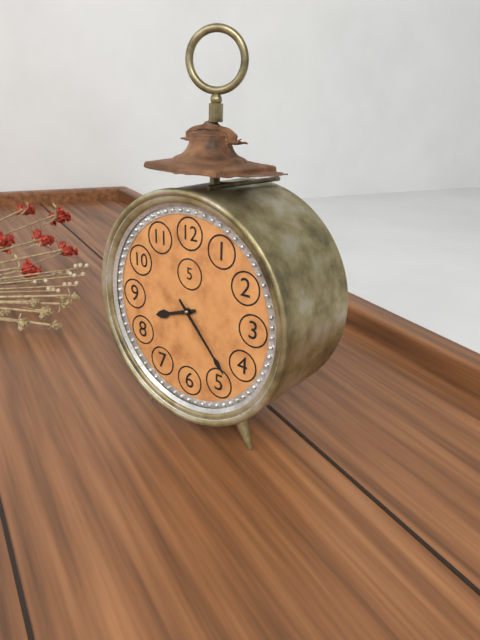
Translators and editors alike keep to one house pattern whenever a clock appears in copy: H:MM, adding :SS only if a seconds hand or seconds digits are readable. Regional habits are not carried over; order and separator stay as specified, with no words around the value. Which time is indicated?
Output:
8:23
